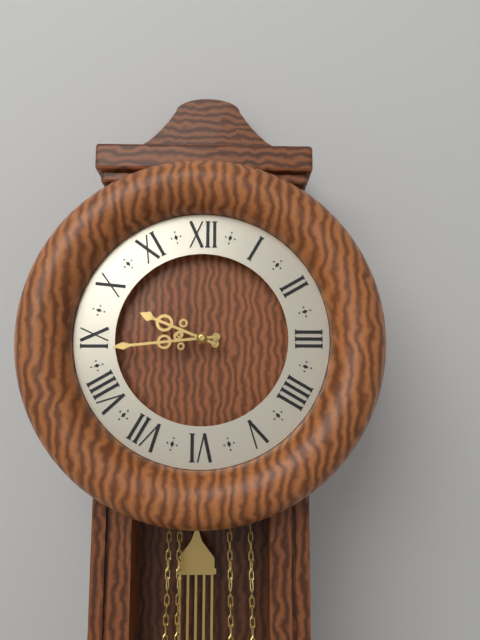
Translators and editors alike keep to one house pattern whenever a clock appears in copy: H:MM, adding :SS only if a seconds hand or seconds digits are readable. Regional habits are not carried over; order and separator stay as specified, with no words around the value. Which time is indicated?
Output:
9:44
